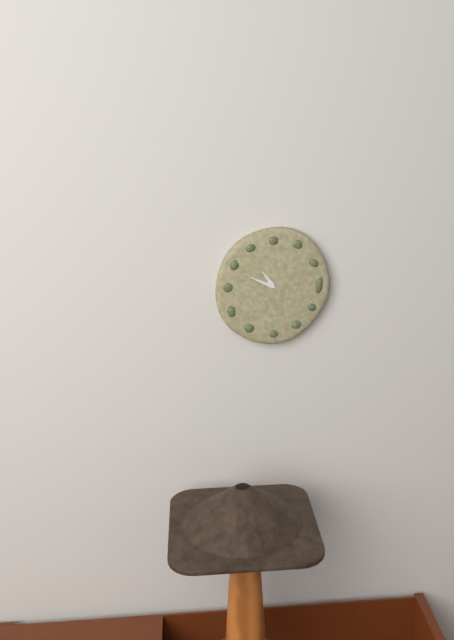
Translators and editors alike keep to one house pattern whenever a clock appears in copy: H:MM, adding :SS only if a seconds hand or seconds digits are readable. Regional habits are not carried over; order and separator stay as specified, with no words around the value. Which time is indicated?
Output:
10:49
